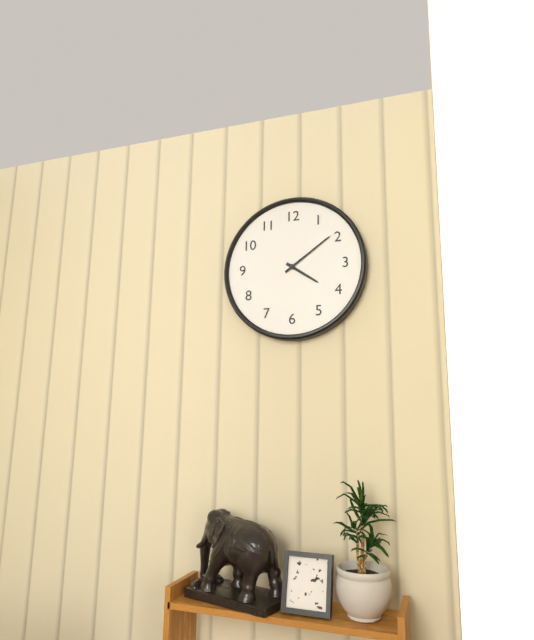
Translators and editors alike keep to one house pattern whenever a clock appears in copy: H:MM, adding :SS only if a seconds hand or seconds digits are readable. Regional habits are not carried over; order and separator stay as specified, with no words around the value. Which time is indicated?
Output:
4:09
